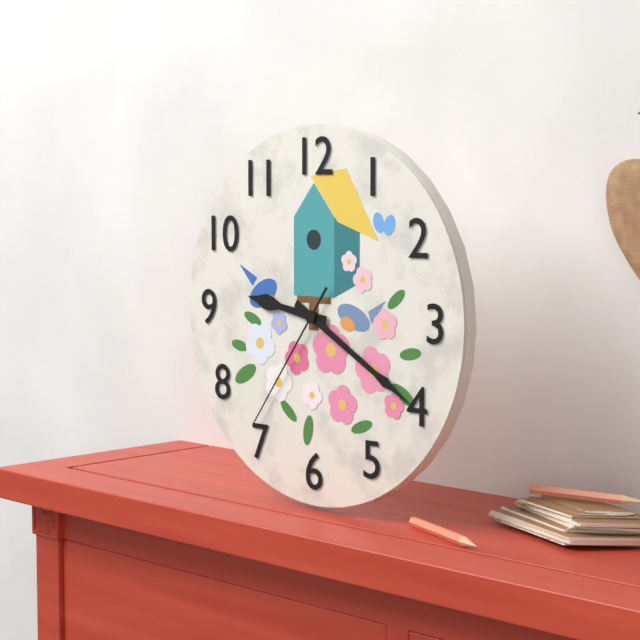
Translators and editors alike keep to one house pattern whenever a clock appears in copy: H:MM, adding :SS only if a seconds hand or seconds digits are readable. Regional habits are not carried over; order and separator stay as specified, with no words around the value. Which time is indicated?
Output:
9:20:36
